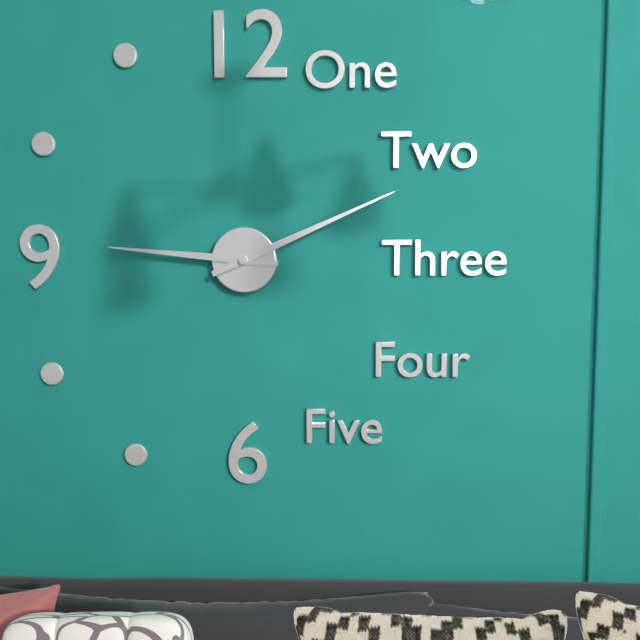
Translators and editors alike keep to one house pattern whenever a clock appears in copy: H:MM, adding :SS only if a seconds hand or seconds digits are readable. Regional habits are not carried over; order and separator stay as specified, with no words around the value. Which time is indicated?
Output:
9:11
